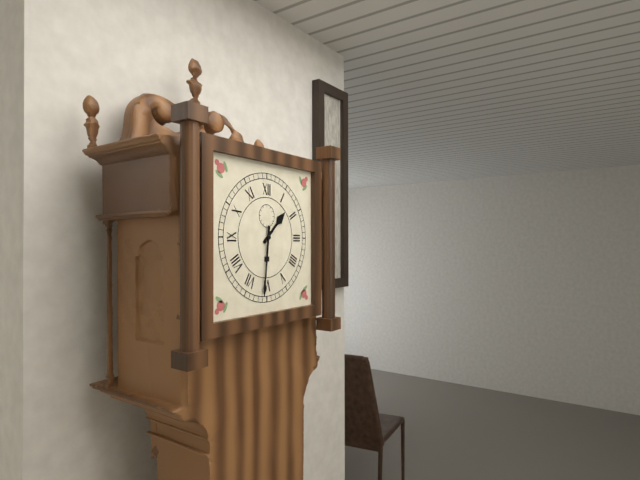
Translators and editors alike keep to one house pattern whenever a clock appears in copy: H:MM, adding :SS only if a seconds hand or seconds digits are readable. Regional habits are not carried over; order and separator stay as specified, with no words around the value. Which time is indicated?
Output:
1:31
